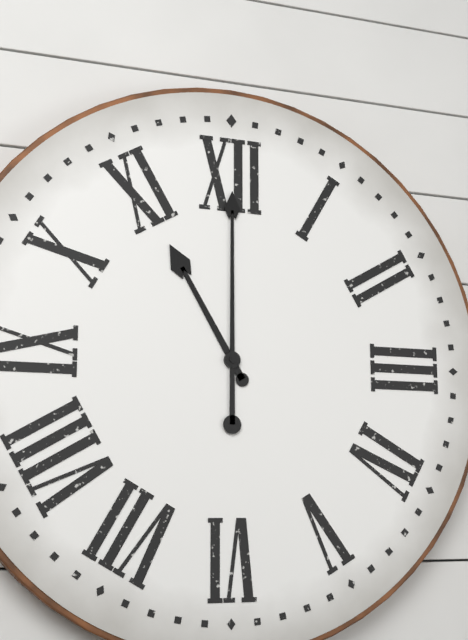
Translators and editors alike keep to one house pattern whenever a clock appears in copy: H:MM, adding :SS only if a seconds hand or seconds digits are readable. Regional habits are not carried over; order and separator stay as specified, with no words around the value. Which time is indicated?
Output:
11:00
